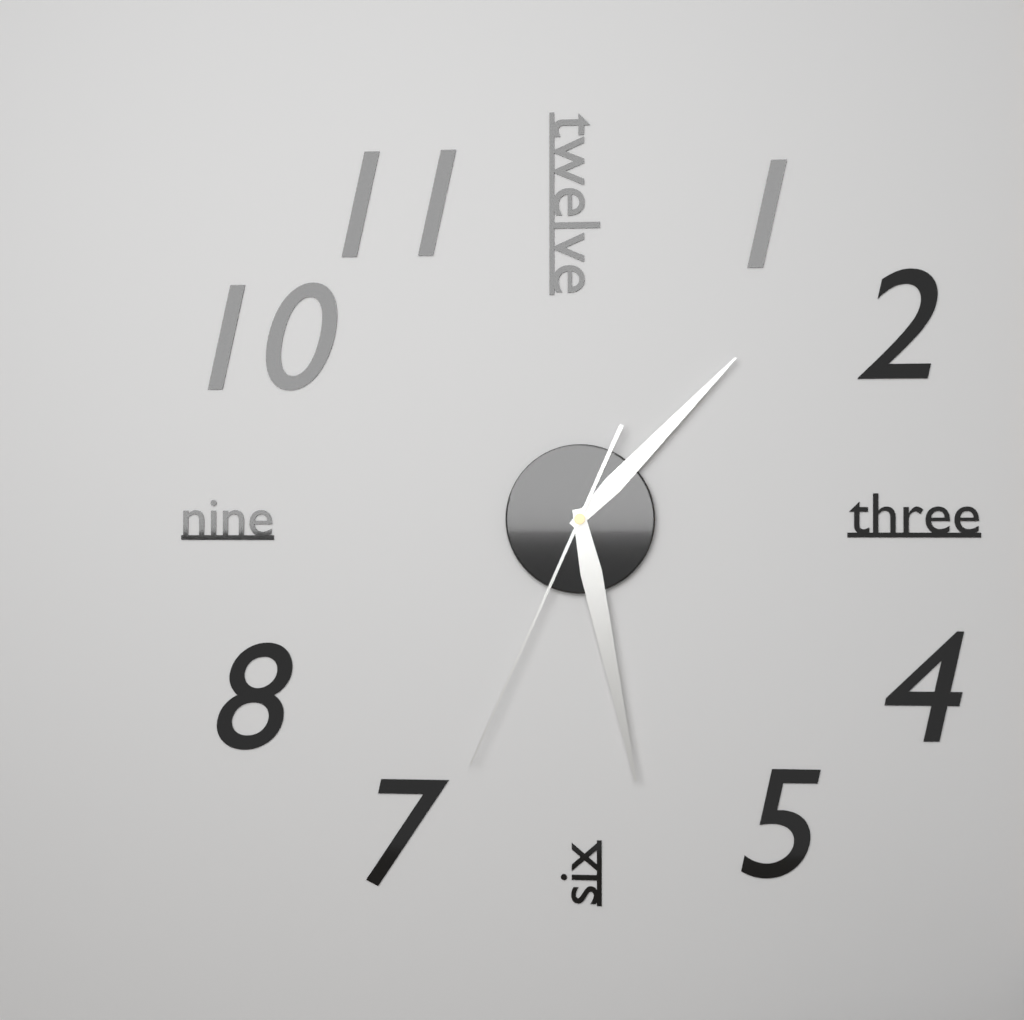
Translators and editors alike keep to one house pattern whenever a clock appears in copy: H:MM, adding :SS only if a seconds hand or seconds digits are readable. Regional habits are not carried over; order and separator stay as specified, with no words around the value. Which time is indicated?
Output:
1:28:34
